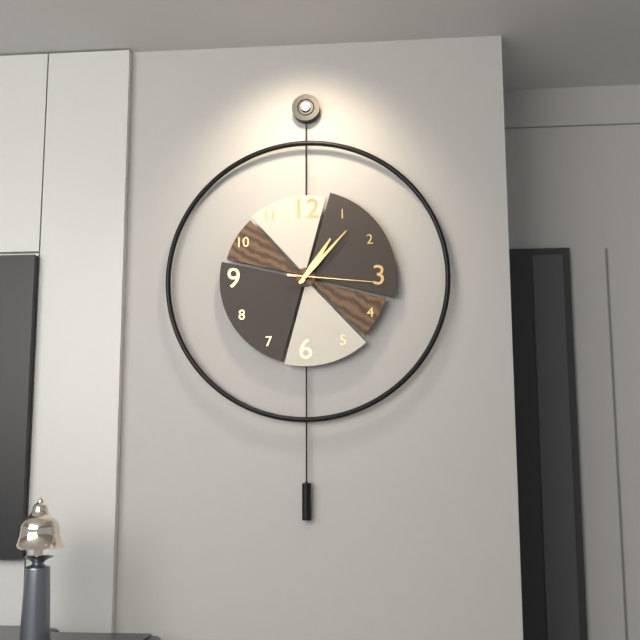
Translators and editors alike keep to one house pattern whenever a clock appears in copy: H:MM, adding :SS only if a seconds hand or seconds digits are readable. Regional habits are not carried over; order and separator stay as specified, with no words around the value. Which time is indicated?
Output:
1:07:16
